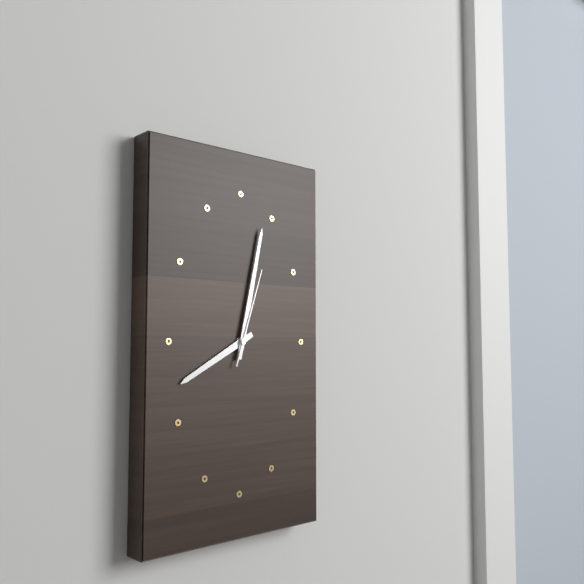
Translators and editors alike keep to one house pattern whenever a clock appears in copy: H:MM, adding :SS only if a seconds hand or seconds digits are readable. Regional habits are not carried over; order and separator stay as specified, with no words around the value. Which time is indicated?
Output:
8:02:03
